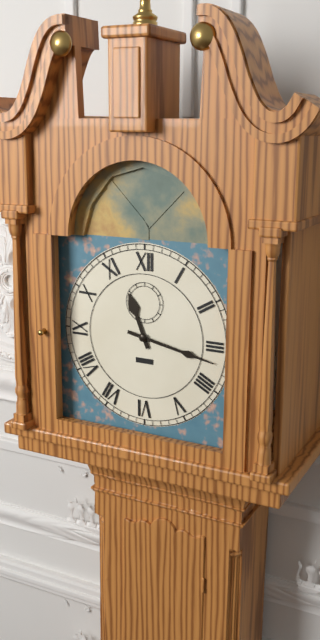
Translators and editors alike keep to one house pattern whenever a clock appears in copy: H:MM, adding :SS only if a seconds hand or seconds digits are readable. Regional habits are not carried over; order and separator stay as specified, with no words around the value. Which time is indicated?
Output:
11:17
